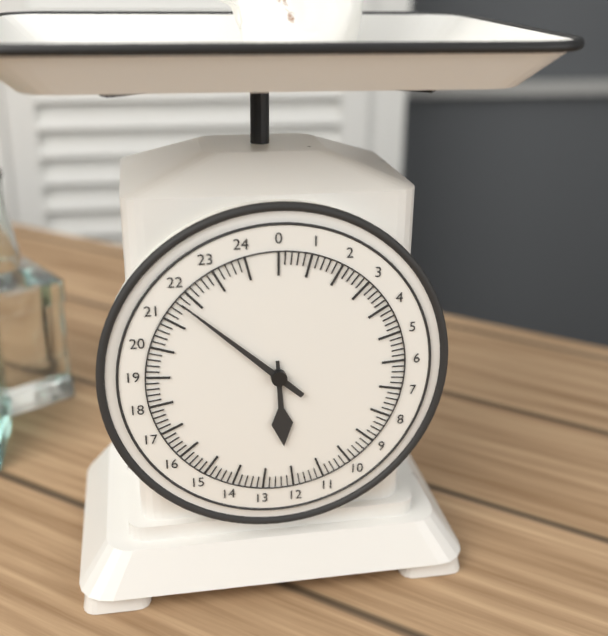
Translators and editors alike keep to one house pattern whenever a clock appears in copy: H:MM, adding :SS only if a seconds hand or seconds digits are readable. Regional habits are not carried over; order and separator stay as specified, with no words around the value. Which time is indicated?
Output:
5:52
